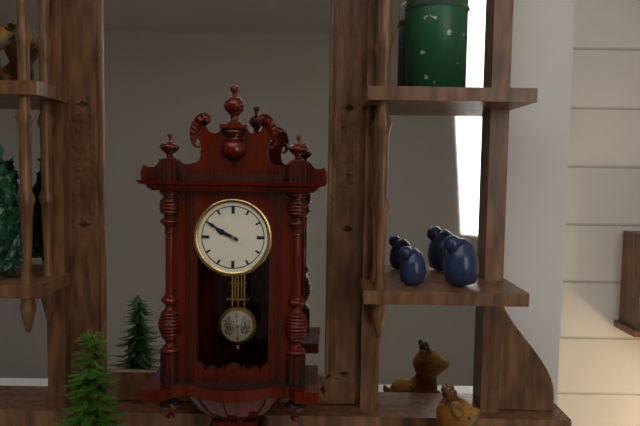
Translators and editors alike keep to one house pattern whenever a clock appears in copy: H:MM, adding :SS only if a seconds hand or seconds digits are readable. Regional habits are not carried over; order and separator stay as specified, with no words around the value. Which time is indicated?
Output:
9:50
